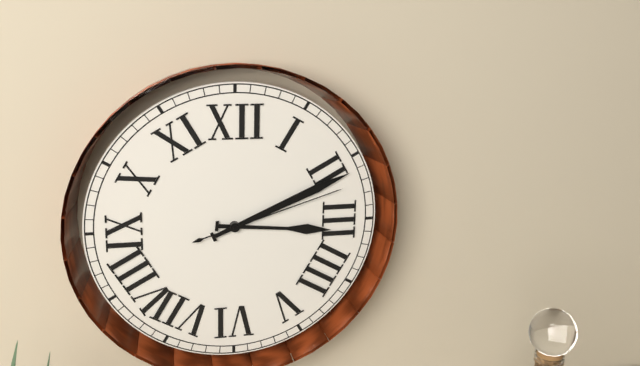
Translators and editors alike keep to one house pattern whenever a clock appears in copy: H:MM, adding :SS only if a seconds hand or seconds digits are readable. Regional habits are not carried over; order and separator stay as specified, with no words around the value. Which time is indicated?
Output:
3:11:12
